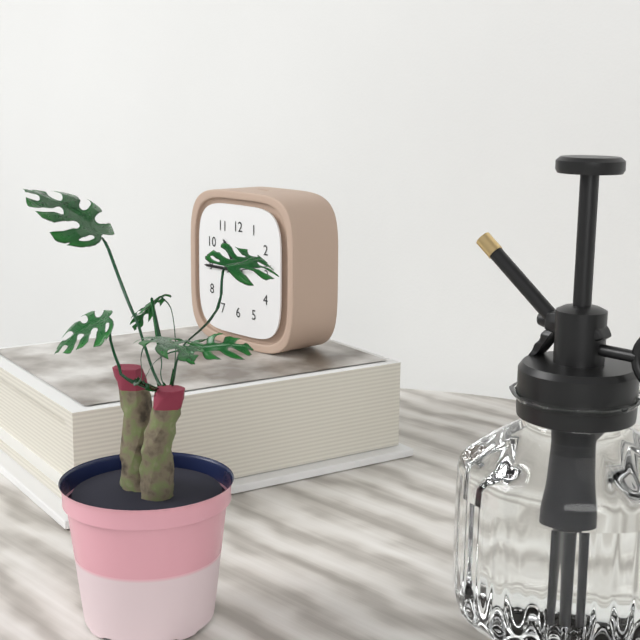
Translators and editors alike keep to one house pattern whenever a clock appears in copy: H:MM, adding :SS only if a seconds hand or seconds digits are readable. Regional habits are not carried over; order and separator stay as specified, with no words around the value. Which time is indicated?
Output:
10:45
